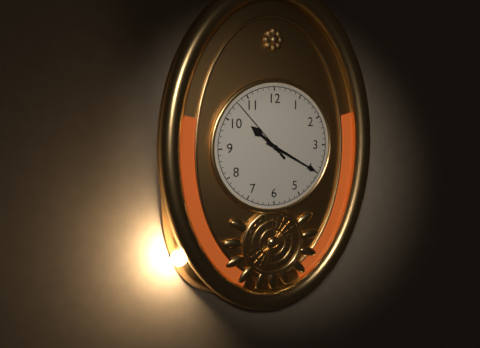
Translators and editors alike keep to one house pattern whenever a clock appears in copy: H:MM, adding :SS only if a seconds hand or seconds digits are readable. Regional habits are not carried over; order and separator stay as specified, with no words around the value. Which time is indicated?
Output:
10:20:53
